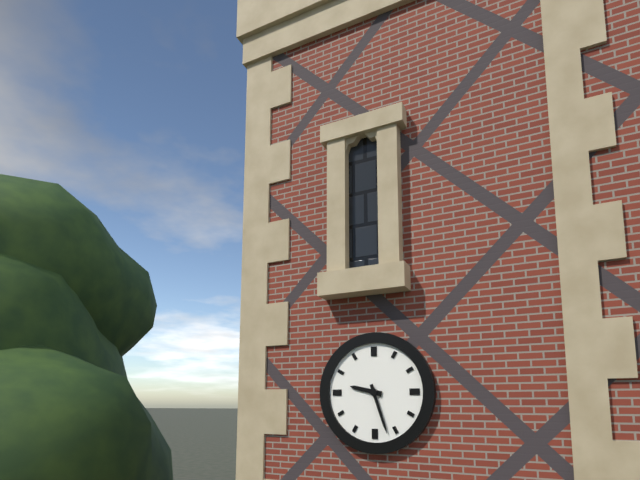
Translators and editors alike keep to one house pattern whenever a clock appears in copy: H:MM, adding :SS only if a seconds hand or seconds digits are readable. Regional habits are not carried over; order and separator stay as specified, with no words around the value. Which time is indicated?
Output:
9:27
